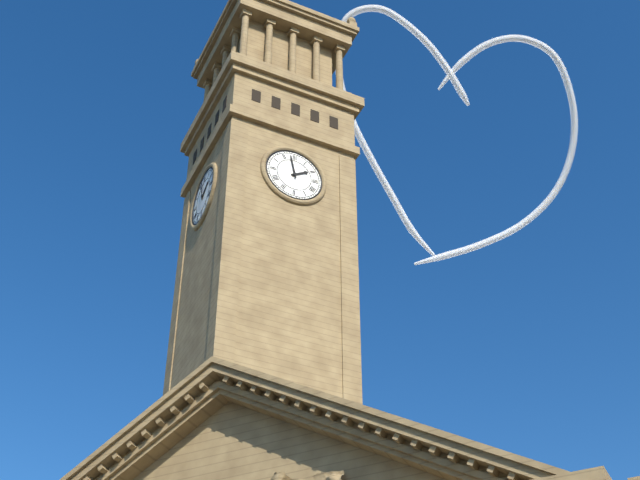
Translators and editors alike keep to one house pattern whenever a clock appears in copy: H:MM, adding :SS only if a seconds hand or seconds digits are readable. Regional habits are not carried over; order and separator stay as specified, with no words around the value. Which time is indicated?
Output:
1:58
